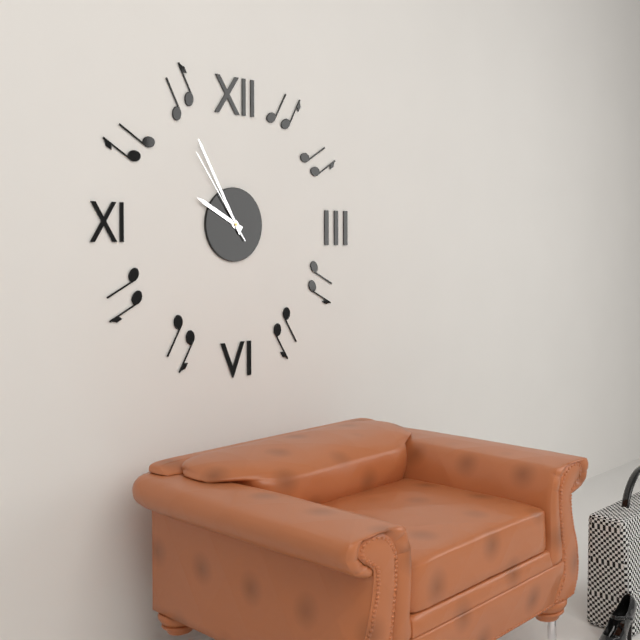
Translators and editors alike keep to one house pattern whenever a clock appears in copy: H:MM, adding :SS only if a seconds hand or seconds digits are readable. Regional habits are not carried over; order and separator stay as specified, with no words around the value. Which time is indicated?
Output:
9:55:54
